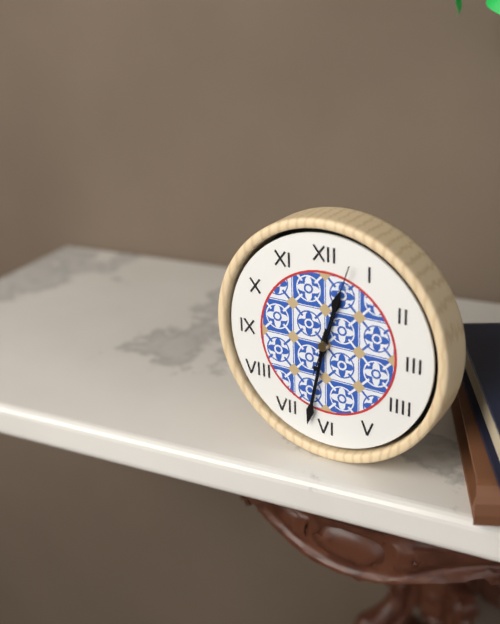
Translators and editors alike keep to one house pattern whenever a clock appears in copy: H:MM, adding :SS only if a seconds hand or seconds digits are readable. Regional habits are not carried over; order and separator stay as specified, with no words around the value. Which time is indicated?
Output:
12:32:03
